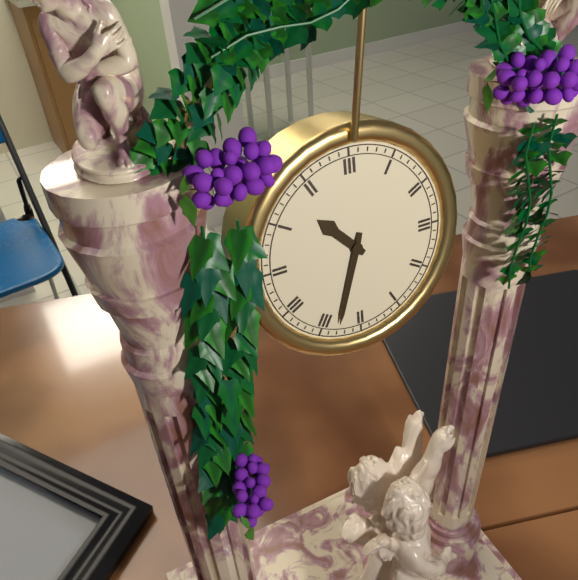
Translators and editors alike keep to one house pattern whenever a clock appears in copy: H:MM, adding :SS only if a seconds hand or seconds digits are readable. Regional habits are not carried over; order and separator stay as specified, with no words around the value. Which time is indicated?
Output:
10:33
